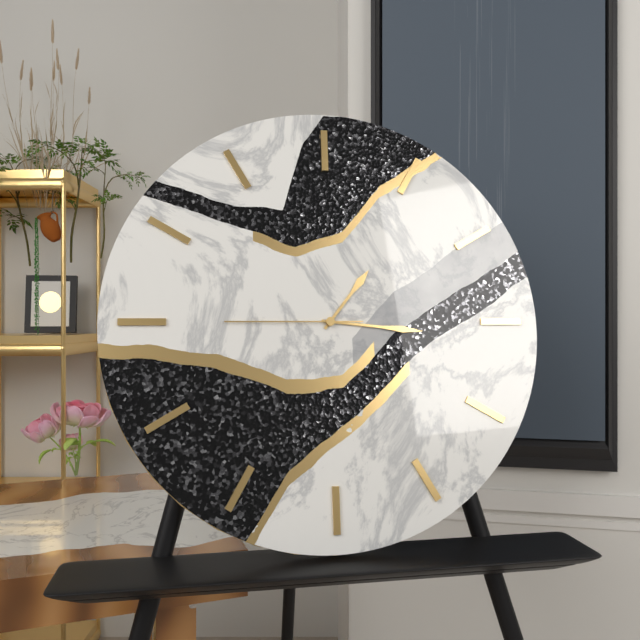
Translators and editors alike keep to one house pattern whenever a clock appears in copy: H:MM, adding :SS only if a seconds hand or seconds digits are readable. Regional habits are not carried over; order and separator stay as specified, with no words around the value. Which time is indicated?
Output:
1:16:45
